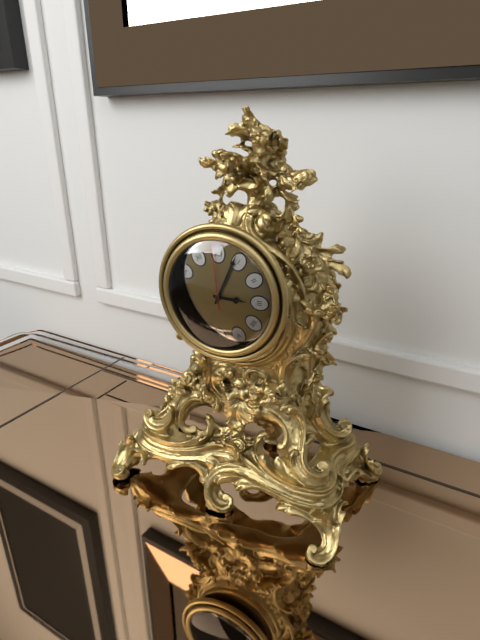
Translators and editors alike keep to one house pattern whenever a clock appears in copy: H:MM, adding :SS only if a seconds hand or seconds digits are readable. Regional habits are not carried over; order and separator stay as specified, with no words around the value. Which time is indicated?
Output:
3:04:59
